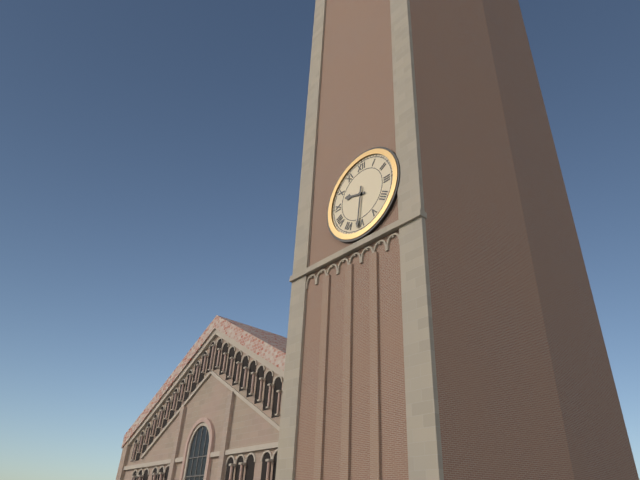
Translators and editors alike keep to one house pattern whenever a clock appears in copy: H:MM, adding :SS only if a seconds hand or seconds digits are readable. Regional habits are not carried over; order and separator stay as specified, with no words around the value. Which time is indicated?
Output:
9:31
